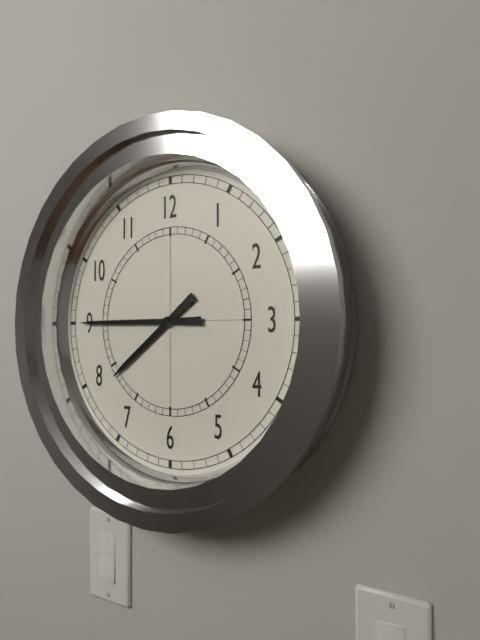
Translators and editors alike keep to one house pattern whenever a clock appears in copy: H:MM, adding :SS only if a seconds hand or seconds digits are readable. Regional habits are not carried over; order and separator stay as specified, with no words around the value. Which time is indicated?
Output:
7:45
